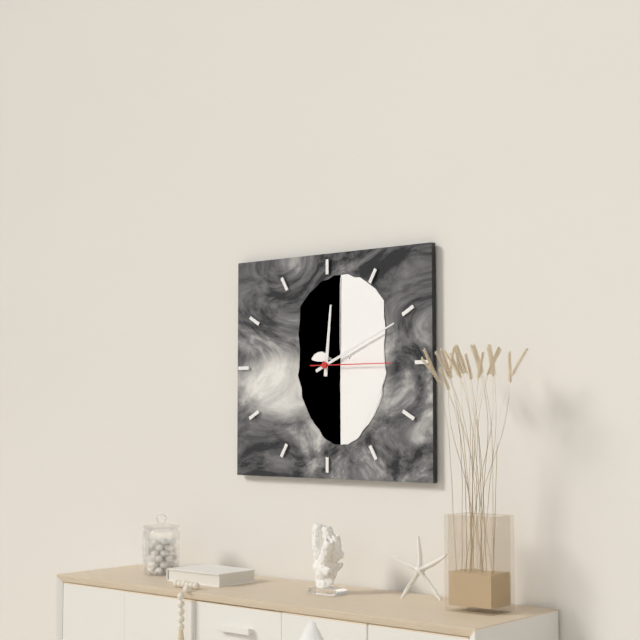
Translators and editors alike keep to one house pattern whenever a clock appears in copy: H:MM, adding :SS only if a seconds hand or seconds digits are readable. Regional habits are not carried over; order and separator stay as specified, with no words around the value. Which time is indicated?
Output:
12:11:15
